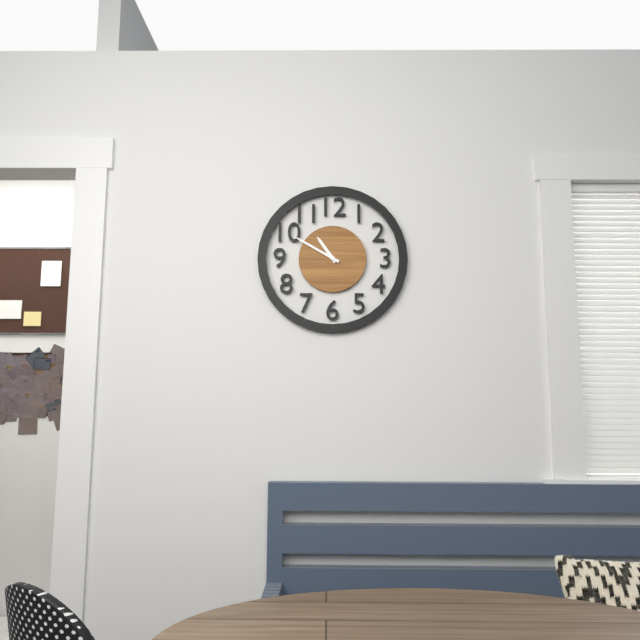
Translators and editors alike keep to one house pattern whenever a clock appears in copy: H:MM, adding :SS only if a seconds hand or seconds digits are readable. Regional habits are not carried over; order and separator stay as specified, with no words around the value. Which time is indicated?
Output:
10:50
